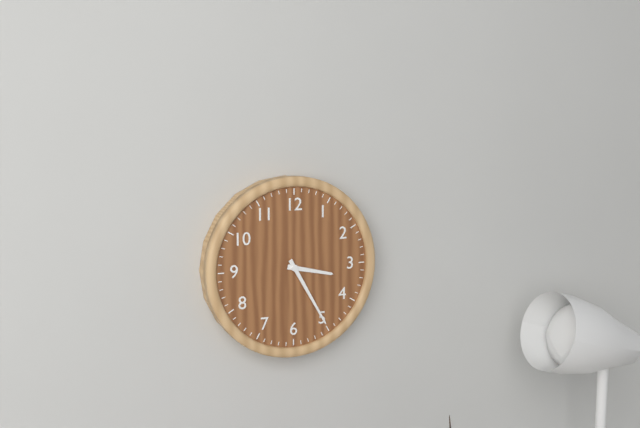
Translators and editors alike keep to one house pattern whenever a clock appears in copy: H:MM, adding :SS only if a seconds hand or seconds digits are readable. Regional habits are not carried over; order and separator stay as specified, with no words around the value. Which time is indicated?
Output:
3:25
